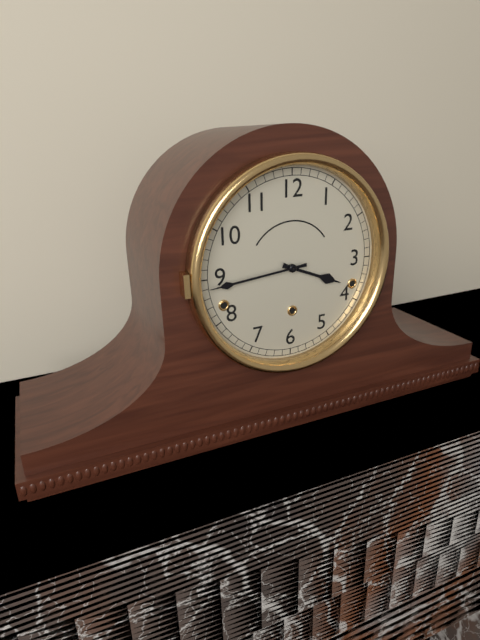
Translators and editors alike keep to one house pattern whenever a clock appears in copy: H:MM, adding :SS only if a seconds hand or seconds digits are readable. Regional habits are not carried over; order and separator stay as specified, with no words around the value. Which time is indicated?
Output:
3:44
